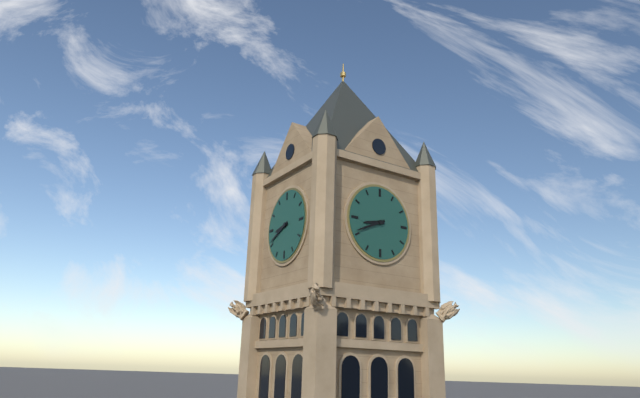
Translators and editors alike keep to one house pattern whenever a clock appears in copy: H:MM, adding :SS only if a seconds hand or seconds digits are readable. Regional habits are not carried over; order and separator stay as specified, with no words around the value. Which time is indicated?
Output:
8:41
